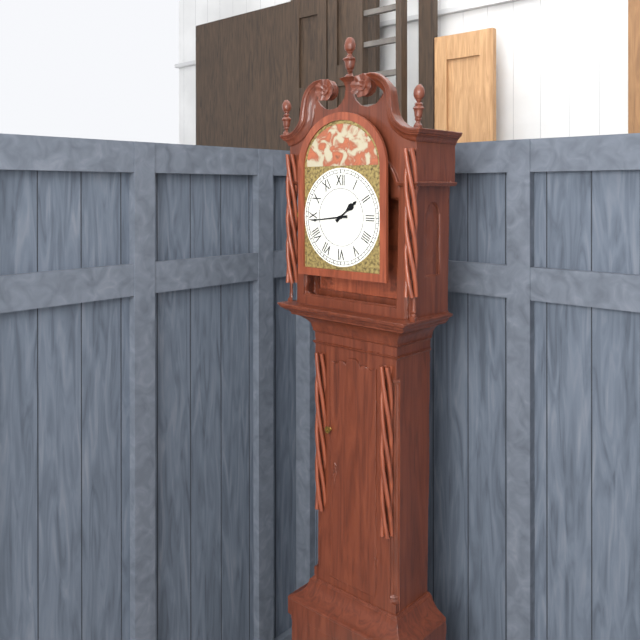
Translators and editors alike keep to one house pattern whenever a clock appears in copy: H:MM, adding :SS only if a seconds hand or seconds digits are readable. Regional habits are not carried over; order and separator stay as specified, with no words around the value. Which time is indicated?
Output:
1:44
